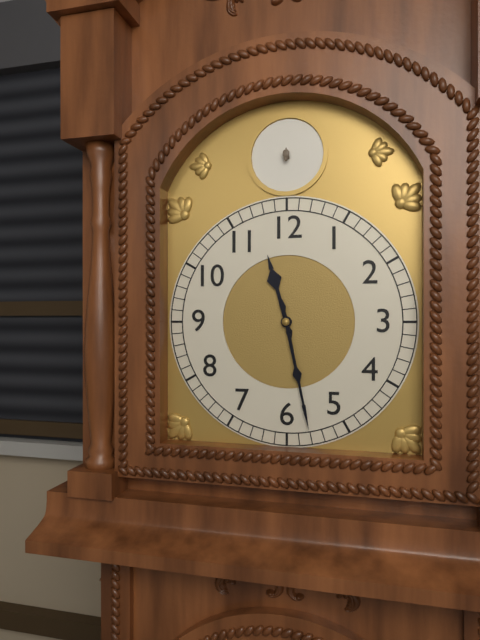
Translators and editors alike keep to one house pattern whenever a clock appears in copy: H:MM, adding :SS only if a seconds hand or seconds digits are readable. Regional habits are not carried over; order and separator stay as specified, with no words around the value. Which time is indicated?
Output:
11:28
